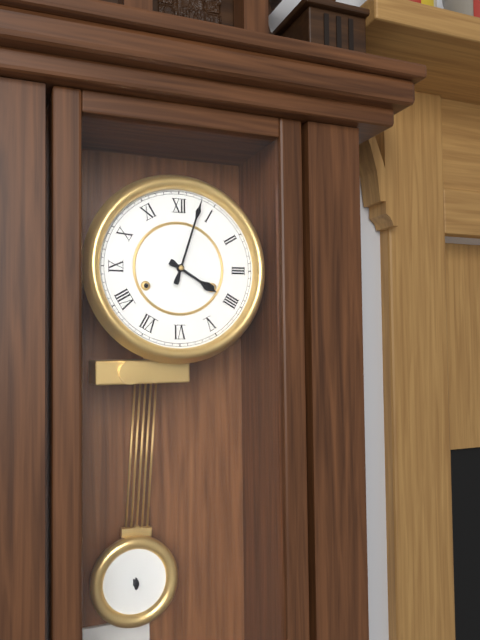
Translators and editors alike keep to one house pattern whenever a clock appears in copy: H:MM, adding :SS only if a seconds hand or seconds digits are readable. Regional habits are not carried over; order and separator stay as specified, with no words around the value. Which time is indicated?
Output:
4:03
